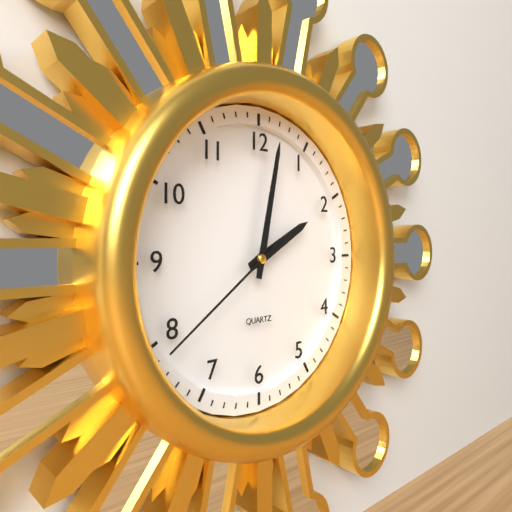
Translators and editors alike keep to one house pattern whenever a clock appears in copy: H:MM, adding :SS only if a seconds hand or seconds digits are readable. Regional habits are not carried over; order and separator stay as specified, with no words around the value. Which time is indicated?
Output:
2:02:39
